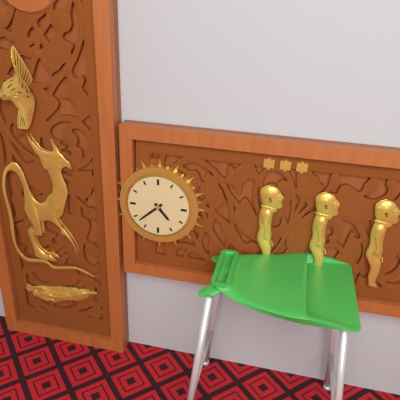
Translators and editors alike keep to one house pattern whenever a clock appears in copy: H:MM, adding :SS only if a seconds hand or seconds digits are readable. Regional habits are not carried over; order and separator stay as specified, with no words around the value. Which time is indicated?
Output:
4:38
